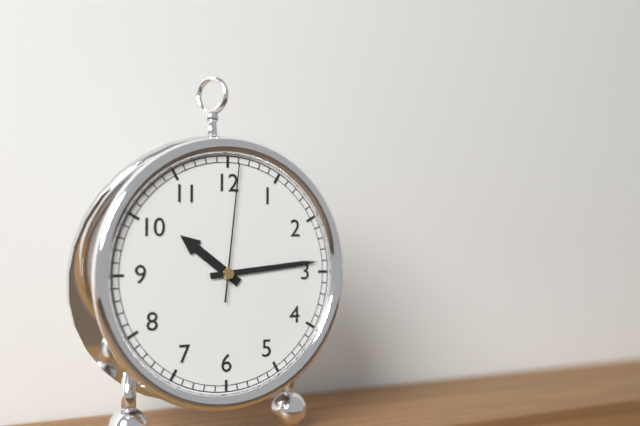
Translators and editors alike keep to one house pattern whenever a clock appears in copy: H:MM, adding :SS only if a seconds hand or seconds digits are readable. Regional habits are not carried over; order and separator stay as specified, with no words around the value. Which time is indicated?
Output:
10:14:01
